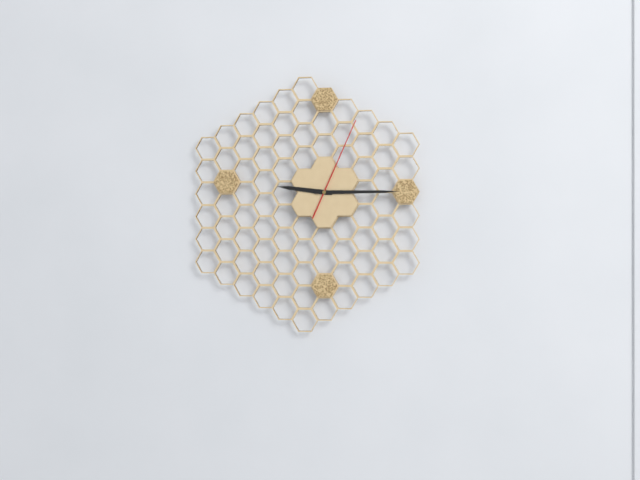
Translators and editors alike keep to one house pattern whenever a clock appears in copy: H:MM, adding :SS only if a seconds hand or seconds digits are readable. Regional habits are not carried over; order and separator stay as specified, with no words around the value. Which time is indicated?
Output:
9:15:04
